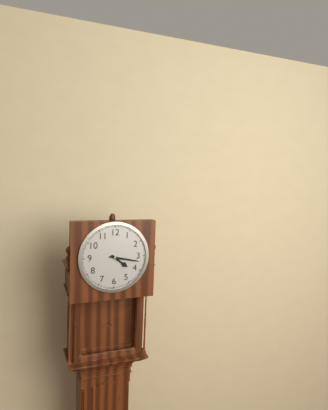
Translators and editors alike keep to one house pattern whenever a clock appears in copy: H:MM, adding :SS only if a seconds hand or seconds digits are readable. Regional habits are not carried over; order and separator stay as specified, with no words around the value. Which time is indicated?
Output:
4:17
